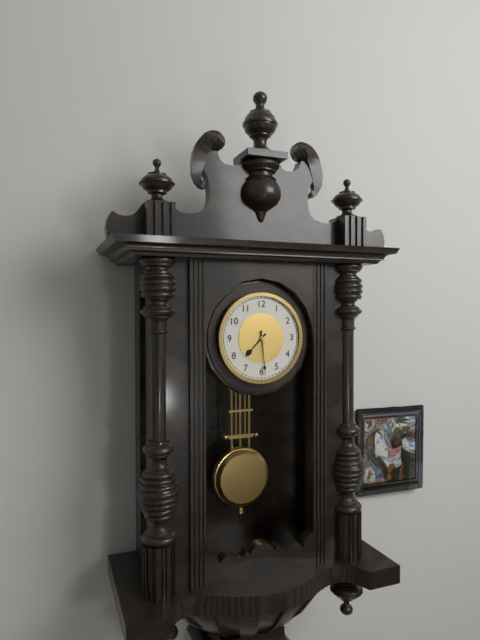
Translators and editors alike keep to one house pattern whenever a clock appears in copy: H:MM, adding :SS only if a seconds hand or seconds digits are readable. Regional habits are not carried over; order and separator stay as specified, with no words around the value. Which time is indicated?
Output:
7:29
